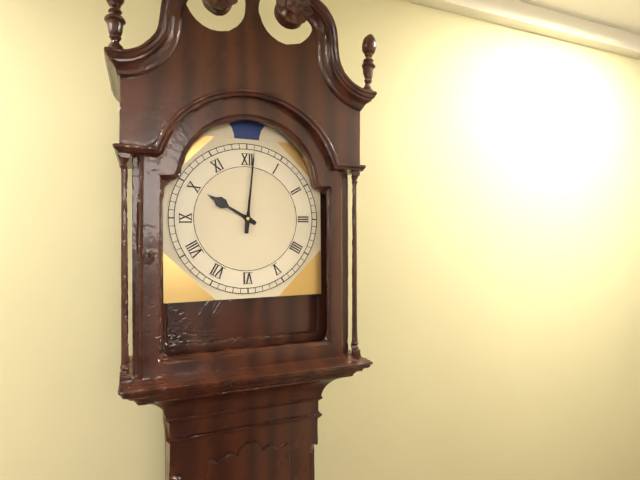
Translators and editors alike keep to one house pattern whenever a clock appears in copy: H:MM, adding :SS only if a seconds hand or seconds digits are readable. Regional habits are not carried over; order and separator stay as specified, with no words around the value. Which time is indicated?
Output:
10:01
